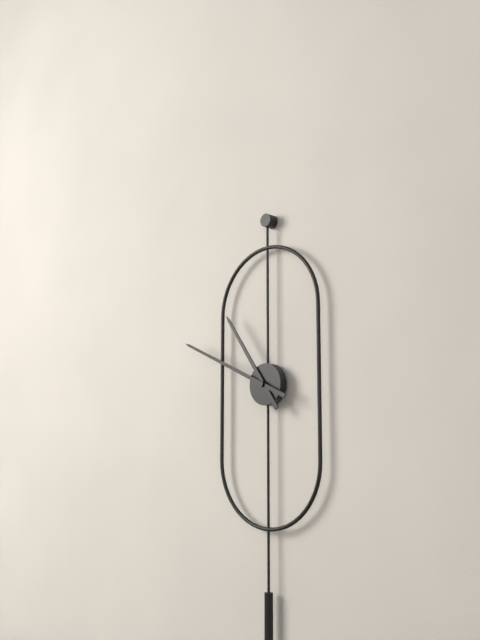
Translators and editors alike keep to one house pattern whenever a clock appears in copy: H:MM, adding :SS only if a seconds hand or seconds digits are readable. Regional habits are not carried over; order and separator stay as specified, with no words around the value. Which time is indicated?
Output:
10:49
